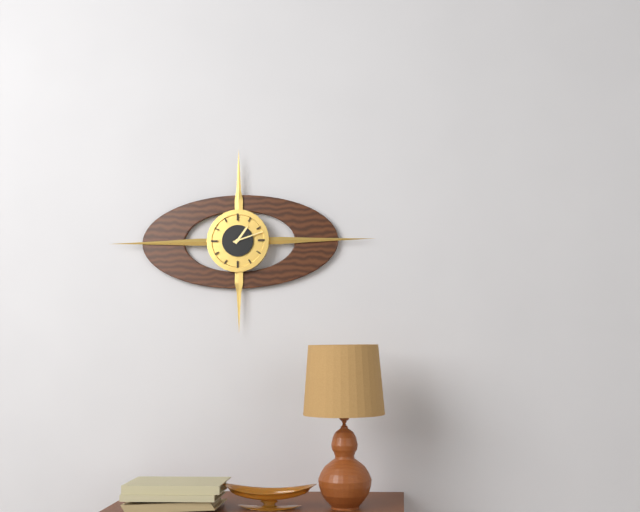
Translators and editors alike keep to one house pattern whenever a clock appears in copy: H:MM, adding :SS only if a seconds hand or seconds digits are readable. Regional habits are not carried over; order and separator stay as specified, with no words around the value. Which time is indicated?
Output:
1:12
